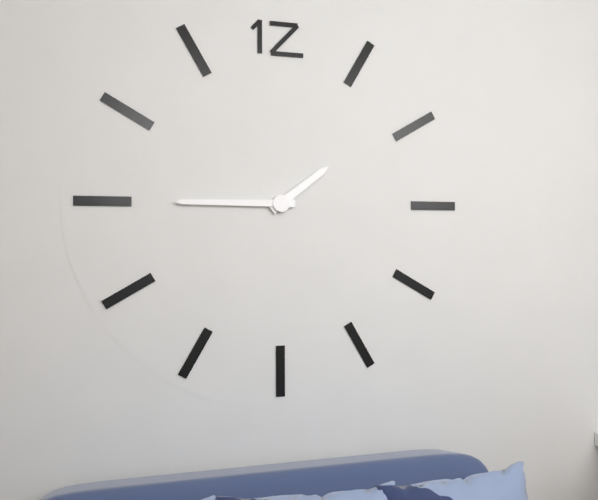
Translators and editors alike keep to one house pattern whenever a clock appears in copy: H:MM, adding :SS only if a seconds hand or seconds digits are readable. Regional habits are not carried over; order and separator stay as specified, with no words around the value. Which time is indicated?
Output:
1:45
